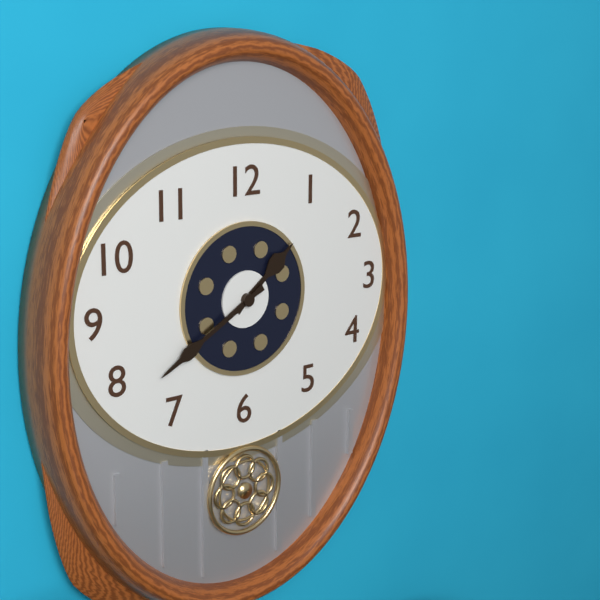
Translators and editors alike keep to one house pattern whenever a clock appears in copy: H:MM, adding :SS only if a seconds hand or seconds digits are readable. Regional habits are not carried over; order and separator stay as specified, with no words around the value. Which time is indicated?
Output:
1:40
